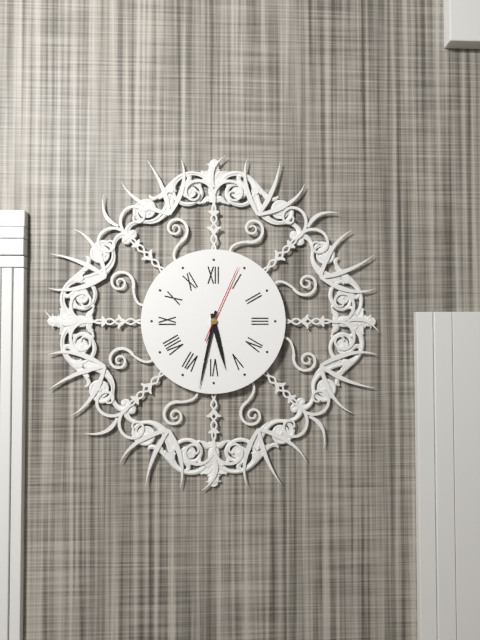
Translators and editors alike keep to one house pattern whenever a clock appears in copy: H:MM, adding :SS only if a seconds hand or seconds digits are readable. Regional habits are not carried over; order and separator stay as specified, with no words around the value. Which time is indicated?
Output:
5:32:04
